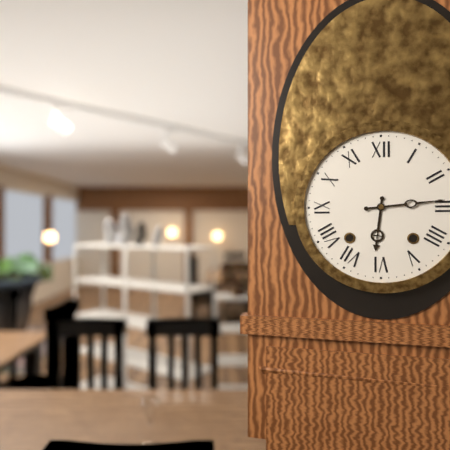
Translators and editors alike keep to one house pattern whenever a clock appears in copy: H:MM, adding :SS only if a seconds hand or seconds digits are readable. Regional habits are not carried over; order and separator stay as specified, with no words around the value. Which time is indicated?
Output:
6:14
